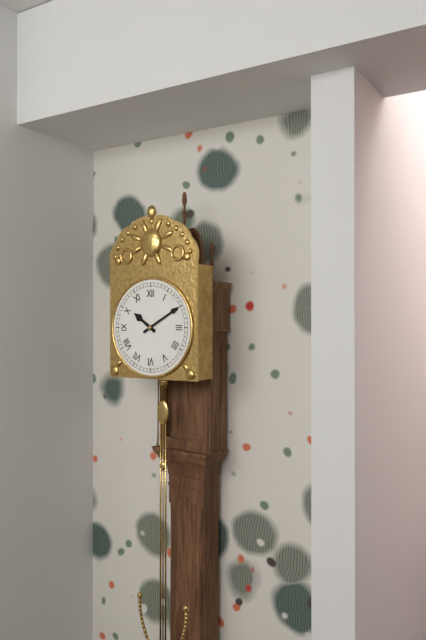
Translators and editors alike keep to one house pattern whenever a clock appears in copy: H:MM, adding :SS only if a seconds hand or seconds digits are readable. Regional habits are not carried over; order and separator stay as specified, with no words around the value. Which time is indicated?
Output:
10:10
